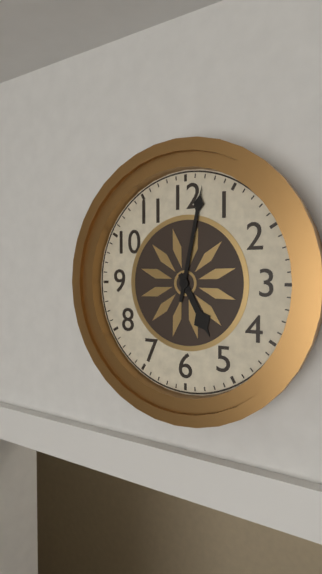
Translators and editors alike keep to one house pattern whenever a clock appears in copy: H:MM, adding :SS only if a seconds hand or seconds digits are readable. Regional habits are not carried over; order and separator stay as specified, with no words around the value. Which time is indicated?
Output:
5:02
